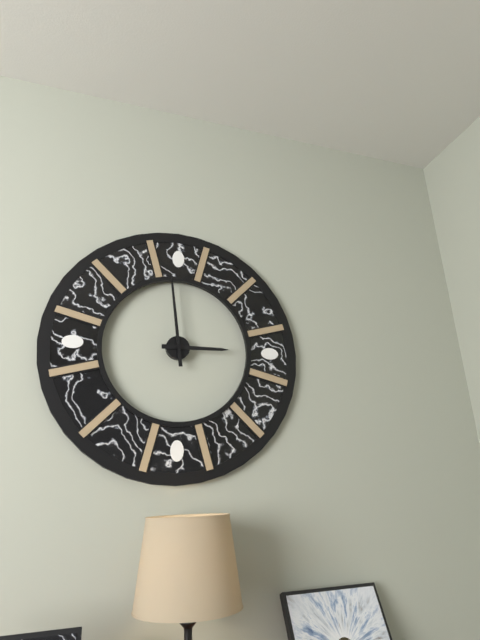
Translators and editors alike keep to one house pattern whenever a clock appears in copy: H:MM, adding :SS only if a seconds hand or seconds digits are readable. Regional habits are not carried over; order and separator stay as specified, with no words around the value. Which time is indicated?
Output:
2:59
